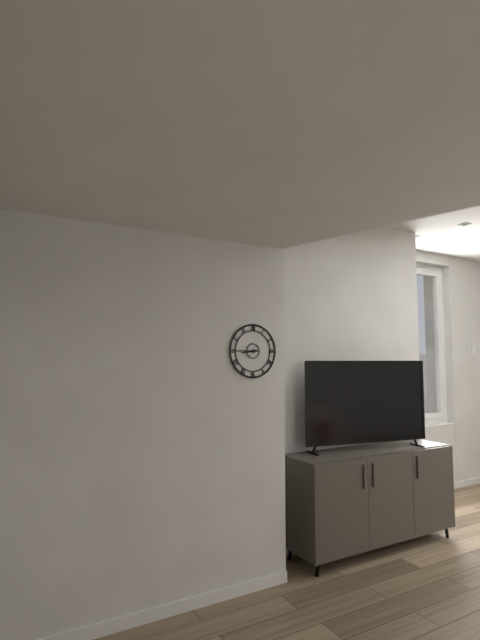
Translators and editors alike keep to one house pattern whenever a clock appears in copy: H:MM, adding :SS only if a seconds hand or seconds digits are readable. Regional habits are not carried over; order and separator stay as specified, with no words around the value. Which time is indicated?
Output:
8:45
